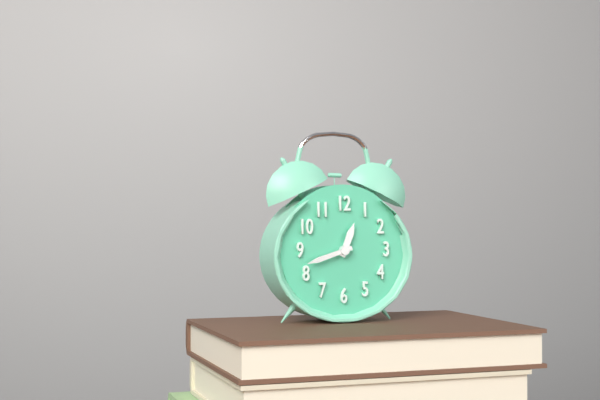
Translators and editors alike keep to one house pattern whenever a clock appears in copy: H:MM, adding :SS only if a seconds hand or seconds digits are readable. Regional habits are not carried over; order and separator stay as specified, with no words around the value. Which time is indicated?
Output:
12:42
